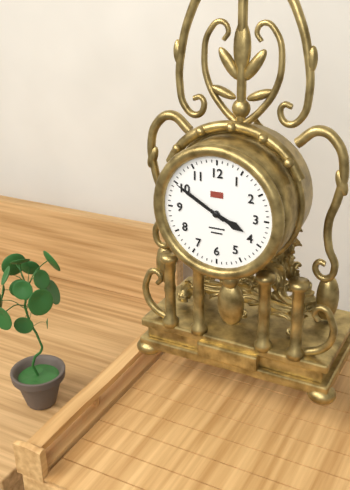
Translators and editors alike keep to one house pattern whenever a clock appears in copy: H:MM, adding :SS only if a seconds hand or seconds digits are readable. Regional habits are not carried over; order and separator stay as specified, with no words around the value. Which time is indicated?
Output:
3:50
